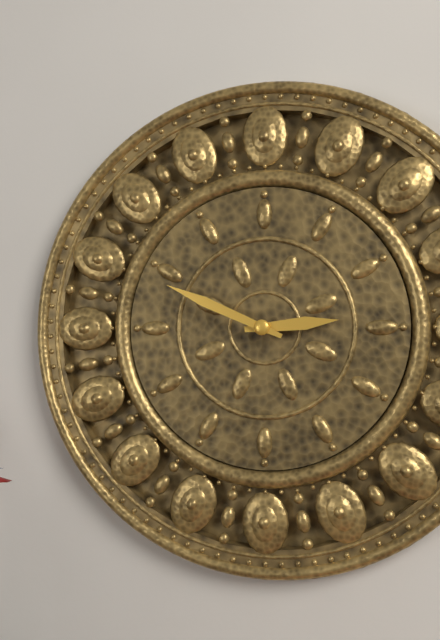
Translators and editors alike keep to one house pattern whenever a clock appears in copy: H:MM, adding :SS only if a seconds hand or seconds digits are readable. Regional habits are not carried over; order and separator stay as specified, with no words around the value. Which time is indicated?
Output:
2:49
